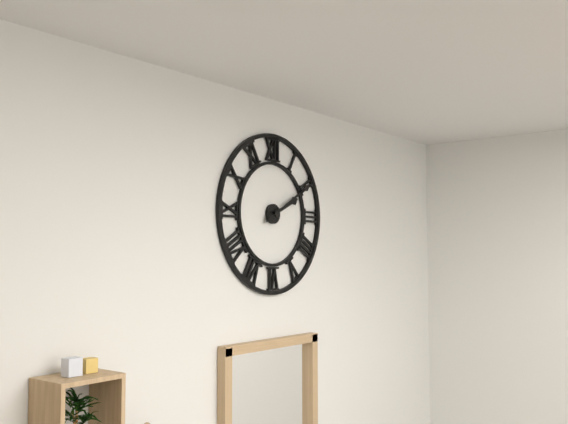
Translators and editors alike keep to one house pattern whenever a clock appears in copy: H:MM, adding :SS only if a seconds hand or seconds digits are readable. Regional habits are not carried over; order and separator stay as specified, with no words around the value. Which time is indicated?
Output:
2:10
